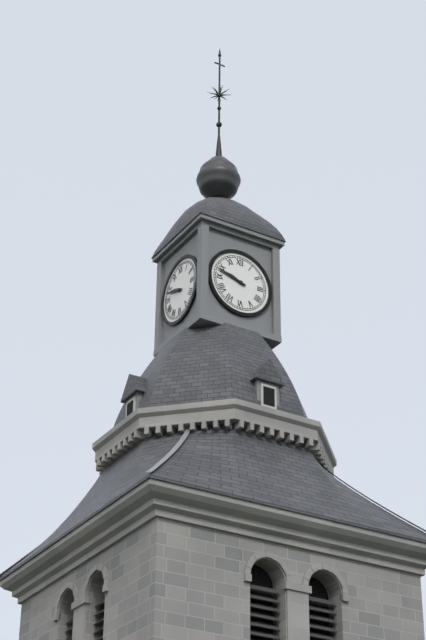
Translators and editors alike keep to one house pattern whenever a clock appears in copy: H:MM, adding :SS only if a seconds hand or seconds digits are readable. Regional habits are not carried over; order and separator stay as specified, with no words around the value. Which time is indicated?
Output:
9:48
